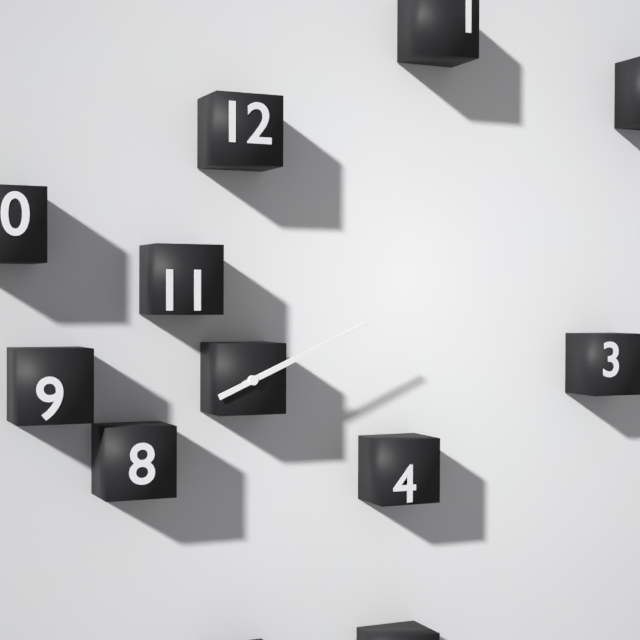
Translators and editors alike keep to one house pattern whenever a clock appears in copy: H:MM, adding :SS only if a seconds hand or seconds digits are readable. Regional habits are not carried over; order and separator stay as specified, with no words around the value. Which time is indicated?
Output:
2:11
